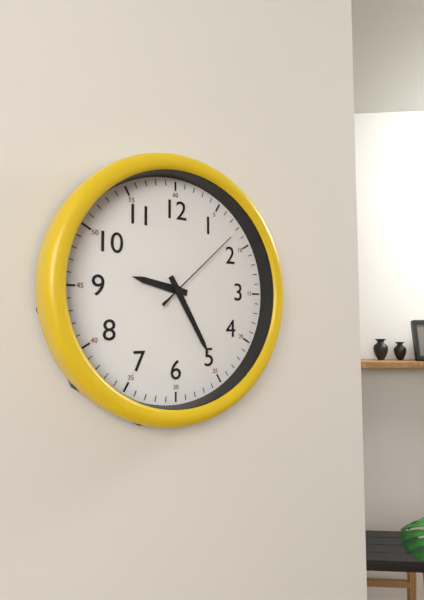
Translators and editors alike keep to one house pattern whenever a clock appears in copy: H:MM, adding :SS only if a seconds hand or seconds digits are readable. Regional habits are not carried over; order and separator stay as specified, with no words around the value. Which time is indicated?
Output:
9:25:08
